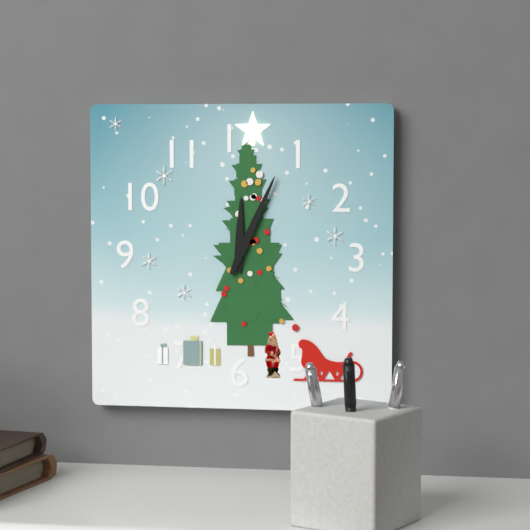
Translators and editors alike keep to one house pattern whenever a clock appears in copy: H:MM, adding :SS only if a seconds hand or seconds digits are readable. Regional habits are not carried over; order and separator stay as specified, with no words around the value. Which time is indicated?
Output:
12:04
